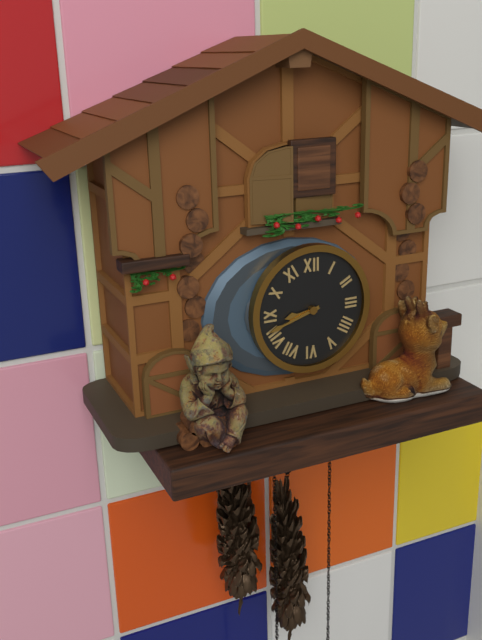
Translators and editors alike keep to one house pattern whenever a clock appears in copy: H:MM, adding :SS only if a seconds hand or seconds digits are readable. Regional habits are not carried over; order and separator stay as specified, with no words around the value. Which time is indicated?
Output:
8:42
